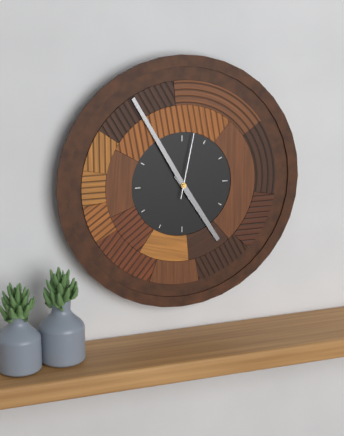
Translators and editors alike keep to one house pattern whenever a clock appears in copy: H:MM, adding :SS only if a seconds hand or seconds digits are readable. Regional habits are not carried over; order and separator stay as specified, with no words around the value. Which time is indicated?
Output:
4:55:02
